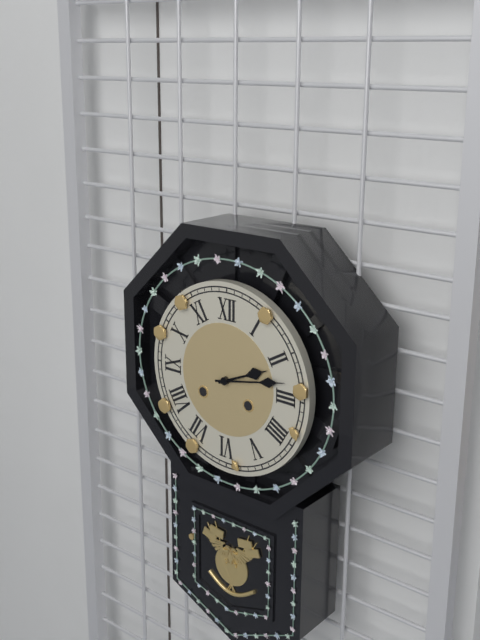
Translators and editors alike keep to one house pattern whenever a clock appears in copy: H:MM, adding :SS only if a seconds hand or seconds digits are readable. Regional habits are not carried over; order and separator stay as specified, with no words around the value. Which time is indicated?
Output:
2:13
